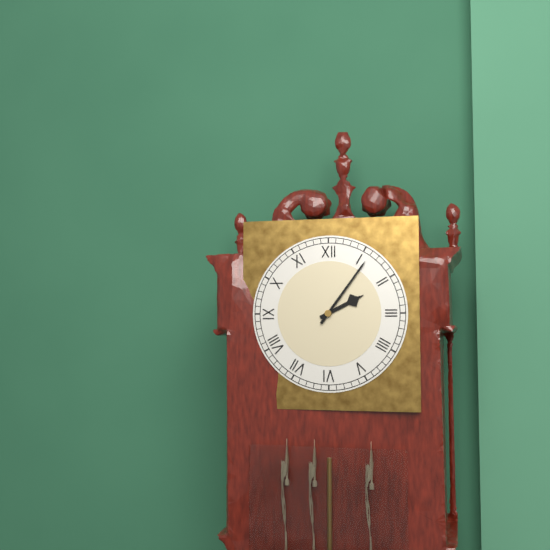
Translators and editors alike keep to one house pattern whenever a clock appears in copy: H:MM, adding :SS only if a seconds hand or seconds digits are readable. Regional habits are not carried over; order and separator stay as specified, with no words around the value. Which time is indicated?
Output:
2:06
